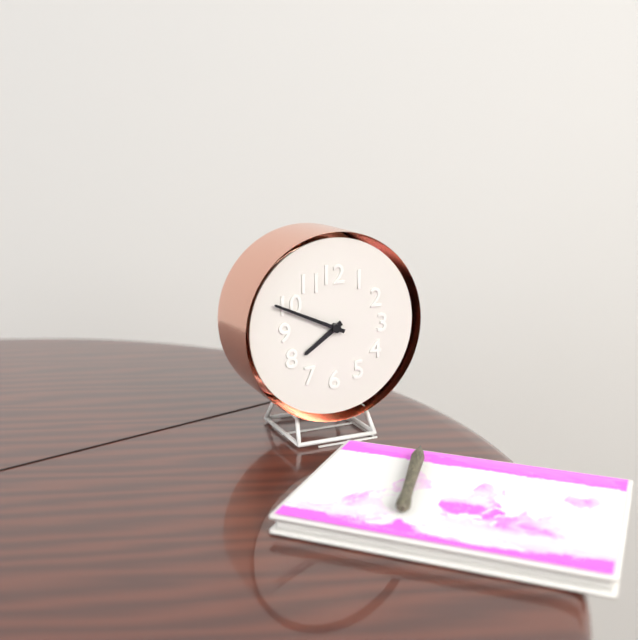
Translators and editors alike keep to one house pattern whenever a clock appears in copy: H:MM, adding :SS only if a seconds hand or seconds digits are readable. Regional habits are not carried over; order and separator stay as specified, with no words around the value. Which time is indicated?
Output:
7:49
